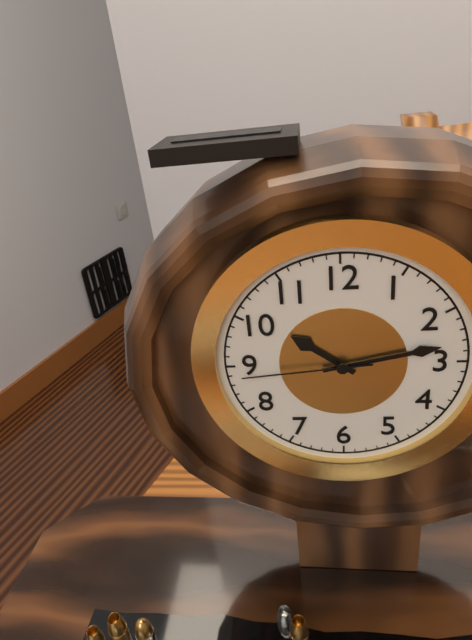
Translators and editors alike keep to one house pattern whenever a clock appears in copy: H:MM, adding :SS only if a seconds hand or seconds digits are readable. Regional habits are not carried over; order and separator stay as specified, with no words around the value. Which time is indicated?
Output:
10:13:44
